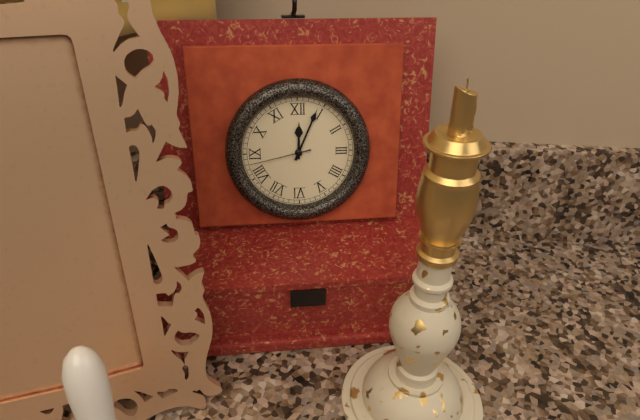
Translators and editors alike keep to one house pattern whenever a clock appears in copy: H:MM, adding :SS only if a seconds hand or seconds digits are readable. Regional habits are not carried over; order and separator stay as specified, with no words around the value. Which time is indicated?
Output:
12:04:43
